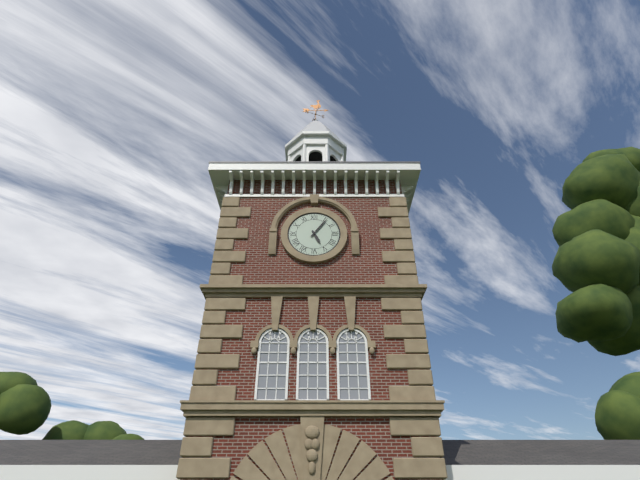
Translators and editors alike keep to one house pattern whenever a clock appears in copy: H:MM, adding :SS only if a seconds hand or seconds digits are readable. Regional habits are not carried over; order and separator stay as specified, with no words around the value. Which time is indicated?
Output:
5:06
